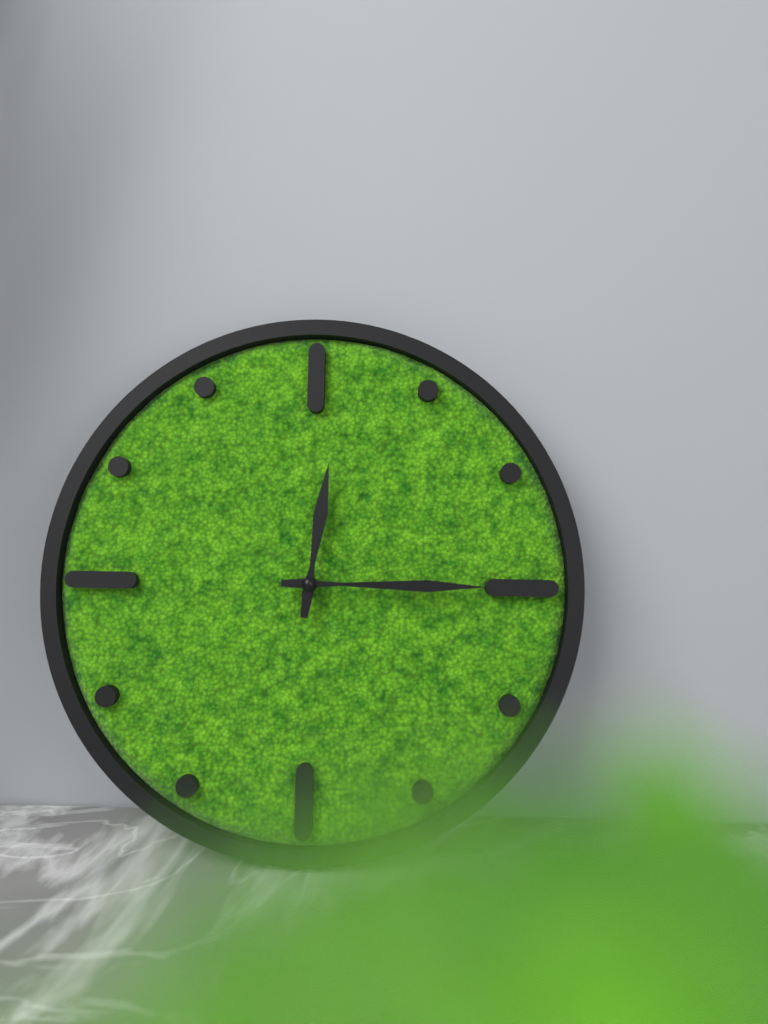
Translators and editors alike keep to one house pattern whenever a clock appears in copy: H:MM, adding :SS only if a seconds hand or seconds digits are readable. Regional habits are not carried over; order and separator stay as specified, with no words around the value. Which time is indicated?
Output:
12:15
